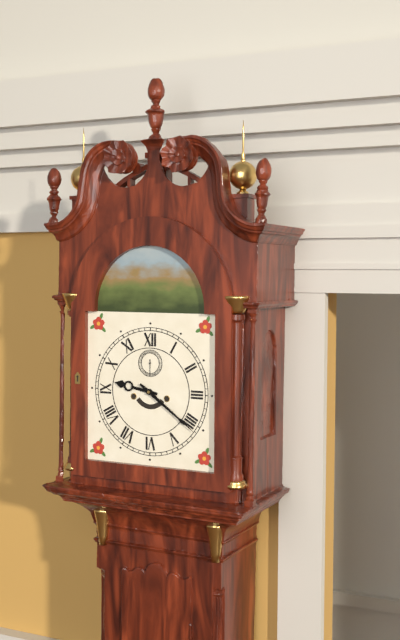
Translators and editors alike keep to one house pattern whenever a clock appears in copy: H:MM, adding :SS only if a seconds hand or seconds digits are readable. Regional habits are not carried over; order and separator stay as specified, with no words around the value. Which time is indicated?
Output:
9:21
